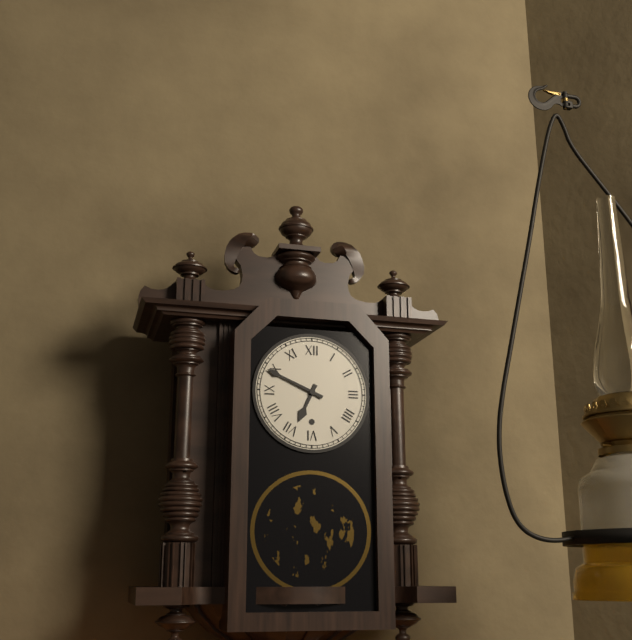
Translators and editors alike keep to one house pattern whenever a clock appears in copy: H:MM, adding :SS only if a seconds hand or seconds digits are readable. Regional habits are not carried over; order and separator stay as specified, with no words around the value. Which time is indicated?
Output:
6:49
